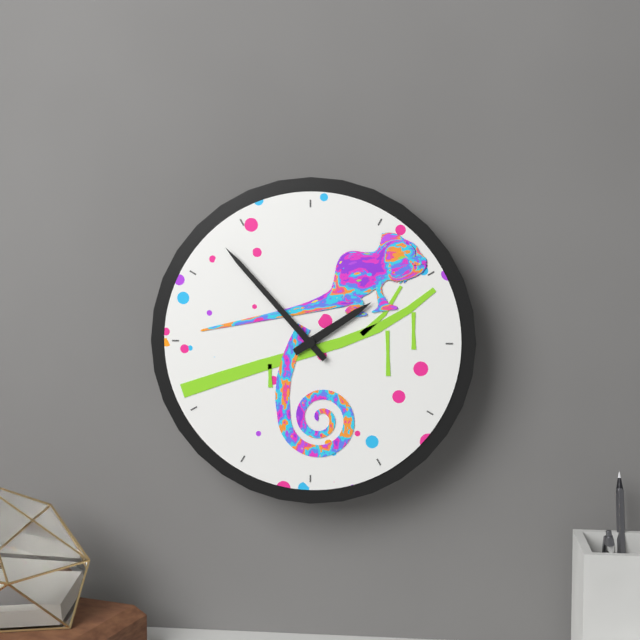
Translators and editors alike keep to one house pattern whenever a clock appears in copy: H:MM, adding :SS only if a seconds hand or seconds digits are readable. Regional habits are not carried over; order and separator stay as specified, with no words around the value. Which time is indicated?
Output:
1:53
